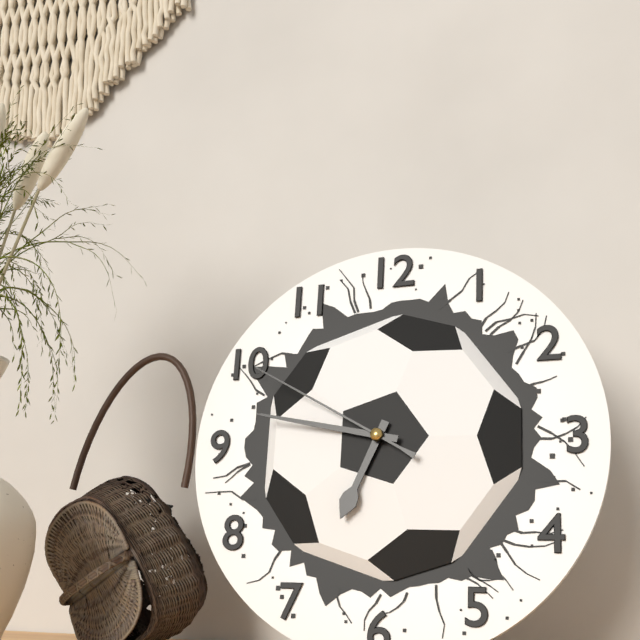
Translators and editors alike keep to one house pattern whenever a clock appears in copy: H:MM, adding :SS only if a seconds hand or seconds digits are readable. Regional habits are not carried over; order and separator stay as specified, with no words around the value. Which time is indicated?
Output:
6:47:50
